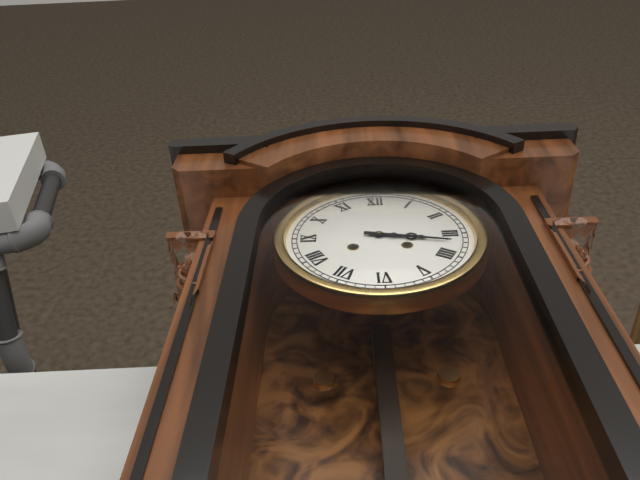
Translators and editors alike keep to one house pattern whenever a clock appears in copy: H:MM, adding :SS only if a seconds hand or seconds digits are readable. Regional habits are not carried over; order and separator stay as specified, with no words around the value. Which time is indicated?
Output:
3:17
